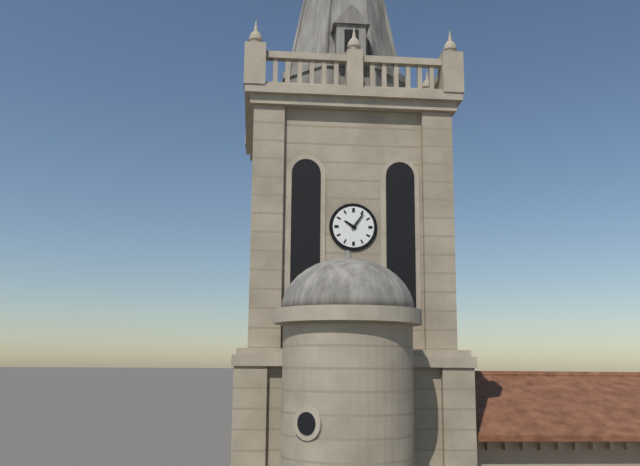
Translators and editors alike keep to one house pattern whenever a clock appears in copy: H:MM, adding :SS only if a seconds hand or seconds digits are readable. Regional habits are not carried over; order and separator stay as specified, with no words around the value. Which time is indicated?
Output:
10:06
